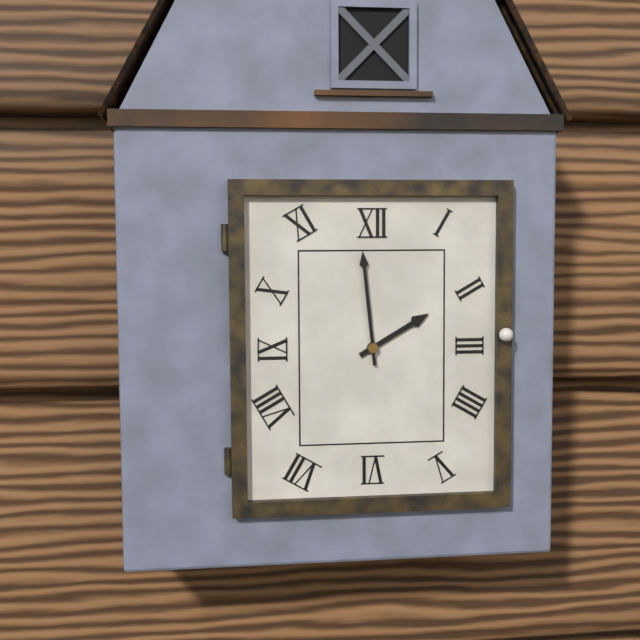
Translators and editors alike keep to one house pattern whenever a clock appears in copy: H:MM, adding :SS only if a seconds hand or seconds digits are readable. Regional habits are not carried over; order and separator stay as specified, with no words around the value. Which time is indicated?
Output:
1:59
